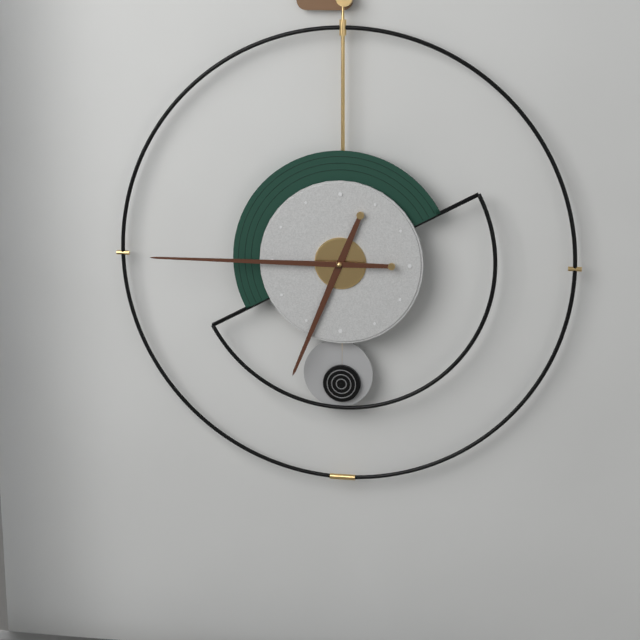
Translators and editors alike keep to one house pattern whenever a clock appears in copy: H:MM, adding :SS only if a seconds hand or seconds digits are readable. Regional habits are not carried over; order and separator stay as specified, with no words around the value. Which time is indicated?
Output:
6:45
